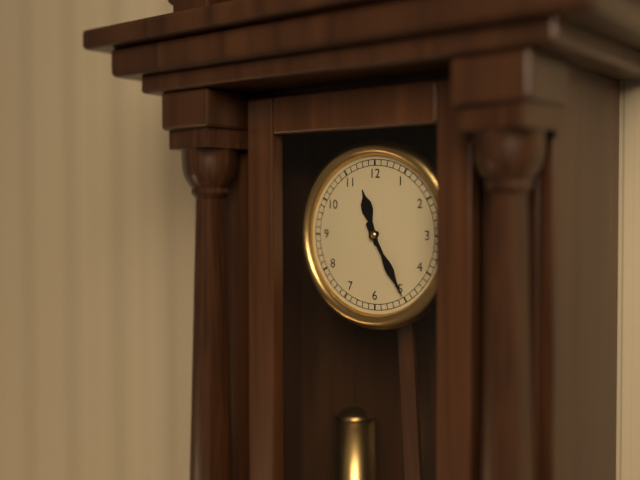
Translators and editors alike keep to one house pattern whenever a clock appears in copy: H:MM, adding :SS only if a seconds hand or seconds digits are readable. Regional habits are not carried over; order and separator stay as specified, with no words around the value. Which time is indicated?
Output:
11:25
